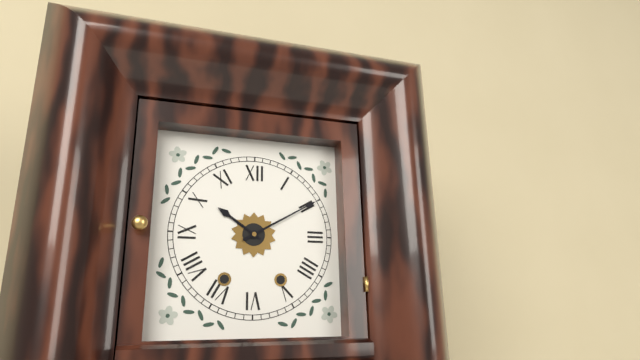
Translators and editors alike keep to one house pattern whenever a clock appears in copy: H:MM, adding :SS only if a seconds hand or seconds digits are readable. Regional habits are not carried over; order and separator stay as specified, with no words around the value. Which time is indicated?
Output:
10:10
